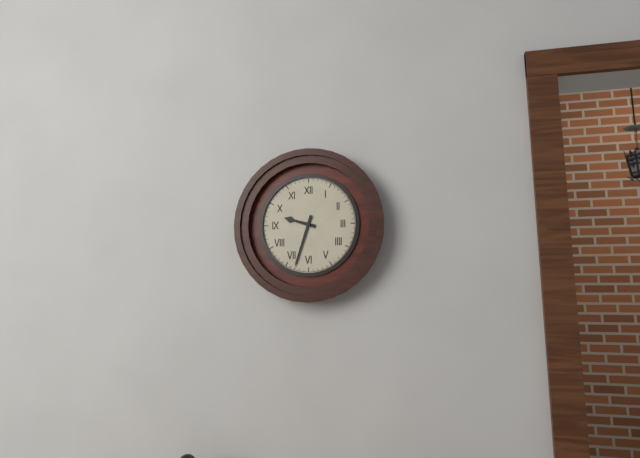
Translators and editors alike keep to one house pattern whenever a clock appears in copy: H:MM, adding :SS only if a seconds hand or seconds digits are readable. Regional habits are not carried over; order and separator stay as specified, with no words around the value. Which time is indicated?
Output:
9:33
